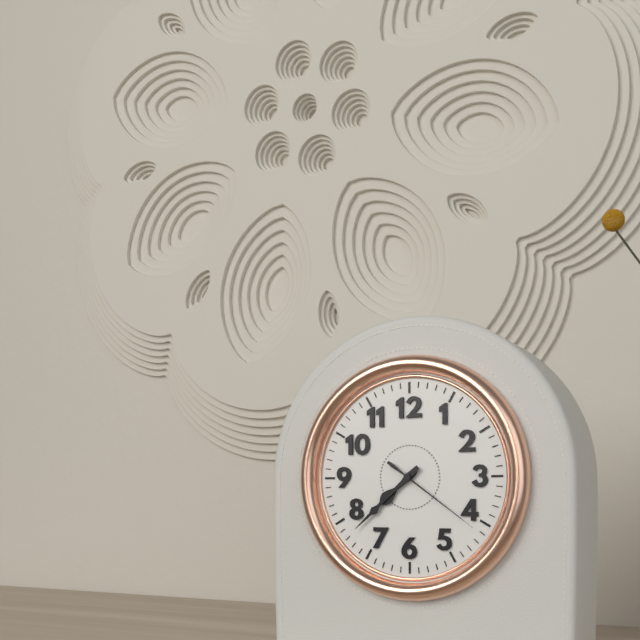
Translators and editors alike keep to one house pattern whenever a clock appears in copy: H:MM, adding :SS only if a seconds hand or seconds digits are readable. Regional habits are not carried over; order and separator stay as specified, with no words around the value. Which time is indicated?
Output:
7:38:21
